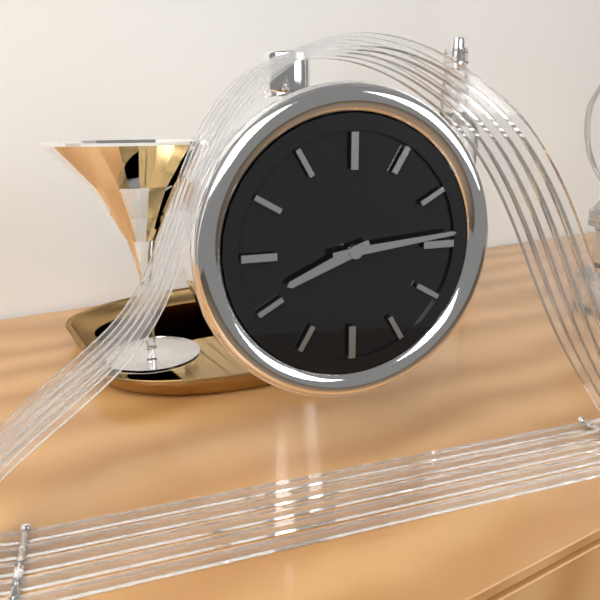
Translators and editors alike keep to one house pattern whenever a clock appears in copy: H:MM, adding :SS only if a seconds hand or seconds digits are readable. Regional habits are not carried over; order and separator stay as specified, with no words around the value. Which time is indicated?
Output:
8:14
